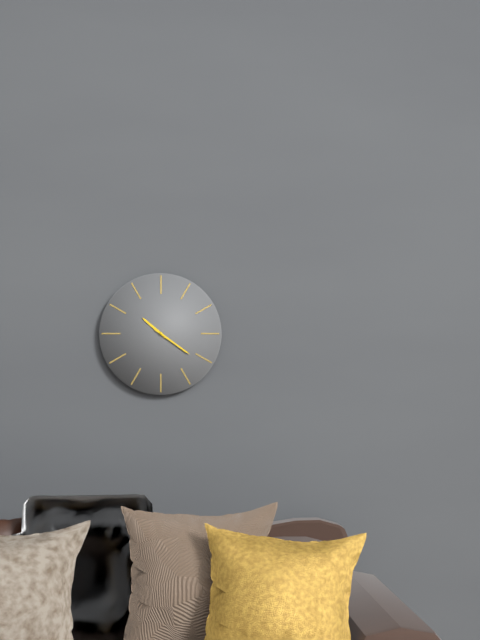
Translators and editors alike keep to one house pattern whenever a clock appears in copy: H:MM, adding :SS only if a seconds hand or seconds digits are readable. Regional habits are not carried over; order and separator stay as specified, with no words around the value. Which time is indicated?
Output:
10:21
